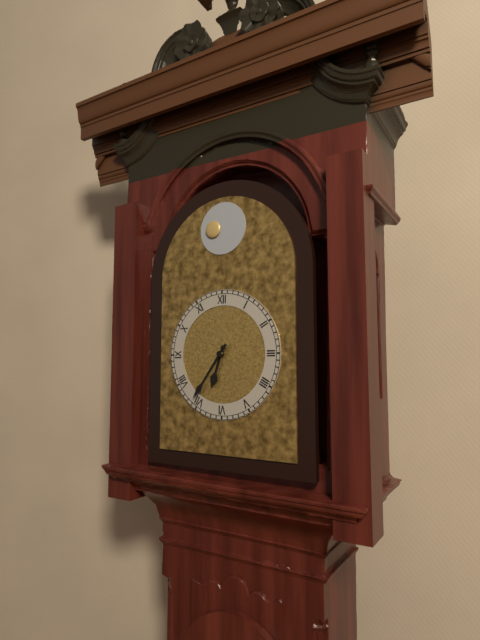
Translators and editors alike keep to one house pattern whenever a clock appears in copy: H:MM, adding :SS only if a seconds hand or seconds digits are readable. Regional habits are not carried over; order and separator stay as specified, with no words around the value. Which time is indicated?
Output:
6:36
